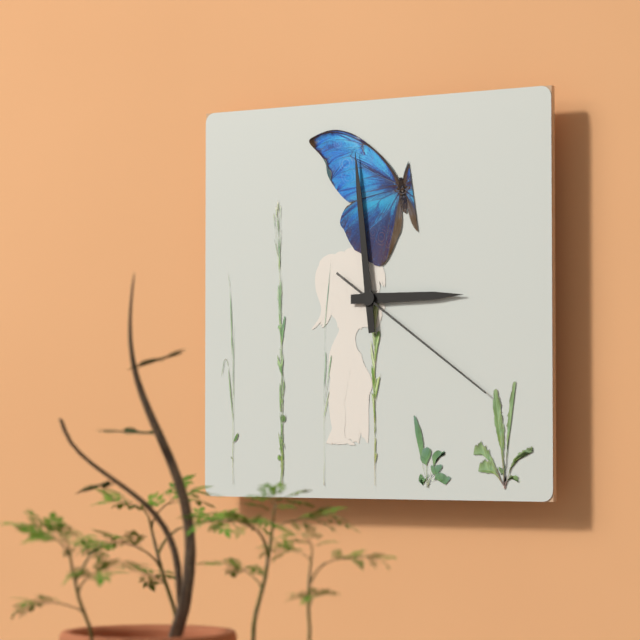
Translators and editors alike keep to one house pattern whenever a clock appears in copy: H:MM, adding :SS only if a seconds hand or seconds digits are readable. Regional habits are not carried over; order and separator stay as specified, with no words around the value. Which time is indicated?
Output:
2:59:21
